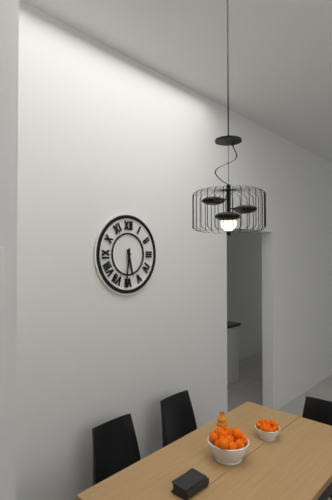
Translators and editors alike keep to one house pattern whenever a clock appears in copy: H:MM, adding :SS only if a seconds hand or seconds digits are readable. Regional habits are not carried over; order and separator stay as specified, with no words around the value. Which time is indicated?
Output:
5:31
